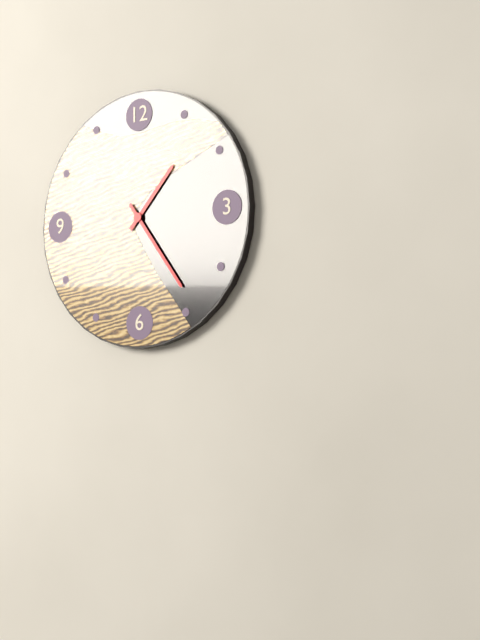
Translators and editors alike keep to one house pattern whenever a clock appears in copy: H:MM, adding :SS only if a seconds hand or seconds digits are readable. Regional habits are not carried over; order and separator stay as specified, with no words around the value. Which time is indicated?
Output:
1:24
